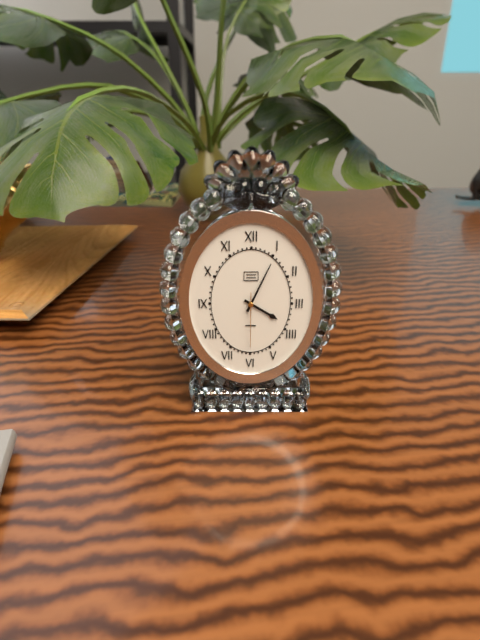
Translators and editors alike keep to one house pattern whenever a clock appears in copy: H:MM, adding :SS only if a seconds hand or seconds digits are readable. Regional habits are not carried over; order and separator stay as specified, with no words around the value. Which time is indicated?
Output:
4:04:30
